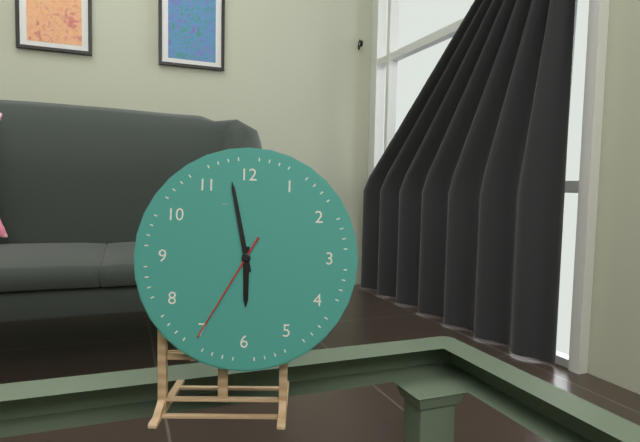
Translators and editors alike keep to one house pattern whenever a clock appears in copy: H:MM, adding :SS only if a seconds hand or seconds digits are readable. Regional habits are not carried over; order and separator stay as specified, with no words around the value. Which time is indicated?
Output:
5:58:35
